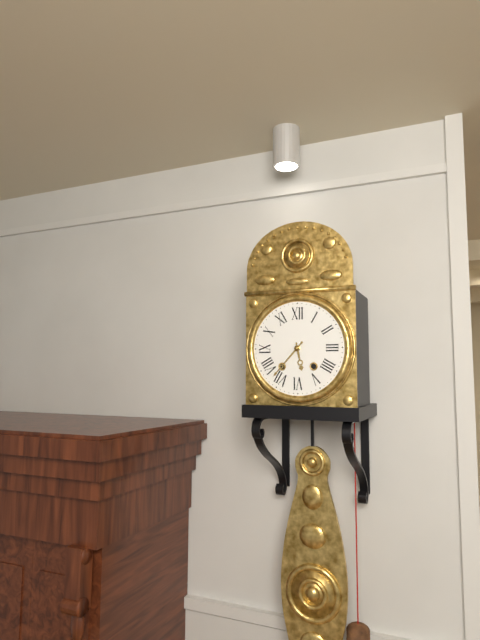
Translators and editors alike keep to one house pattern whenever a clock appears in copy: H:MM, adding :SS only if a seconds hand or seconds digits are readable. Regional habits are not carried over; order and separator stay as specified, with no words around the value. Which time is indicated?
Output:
5:37
